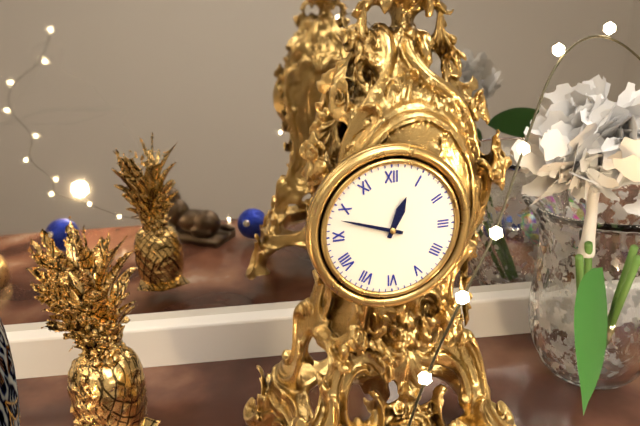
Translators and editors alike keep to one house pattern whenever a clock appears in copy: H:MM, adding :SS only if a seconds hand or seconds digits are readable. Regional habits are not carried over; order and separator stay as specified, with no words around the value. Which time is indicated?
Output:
12:48
